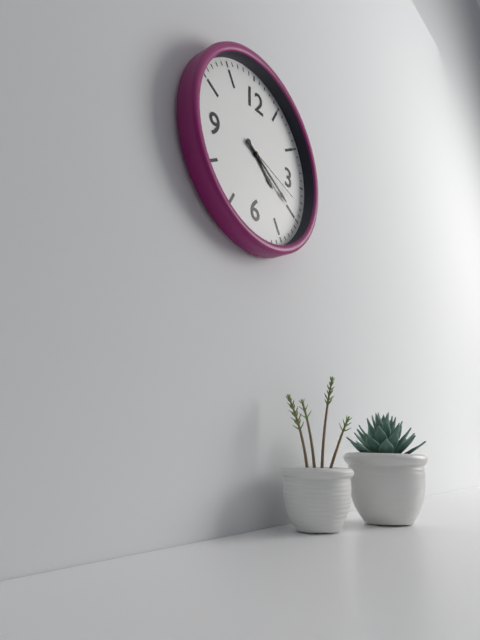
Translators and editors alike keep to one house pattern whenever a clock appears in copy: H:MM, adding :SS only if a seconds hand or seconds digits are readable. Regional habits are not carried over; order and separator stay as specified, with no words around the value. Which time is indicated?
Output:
4:20:18
